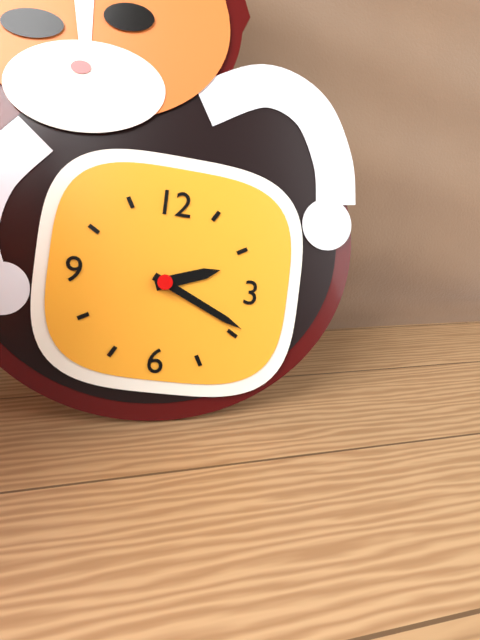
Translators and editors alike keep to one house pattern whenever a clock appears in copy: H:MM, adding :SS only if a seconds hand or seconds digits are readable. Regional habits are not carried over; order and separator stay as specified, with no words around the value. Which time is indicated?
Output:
2:19
